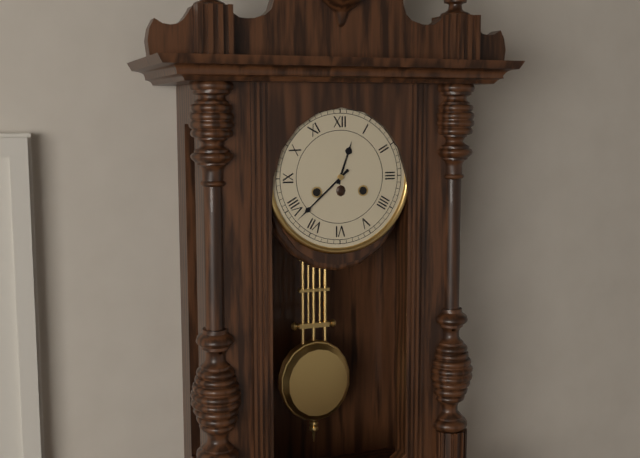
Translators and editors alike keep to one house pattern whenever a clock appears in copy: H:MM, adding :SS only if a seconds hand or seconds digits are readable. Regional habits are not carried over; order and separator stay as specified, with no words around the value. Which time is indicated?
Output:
12:38
